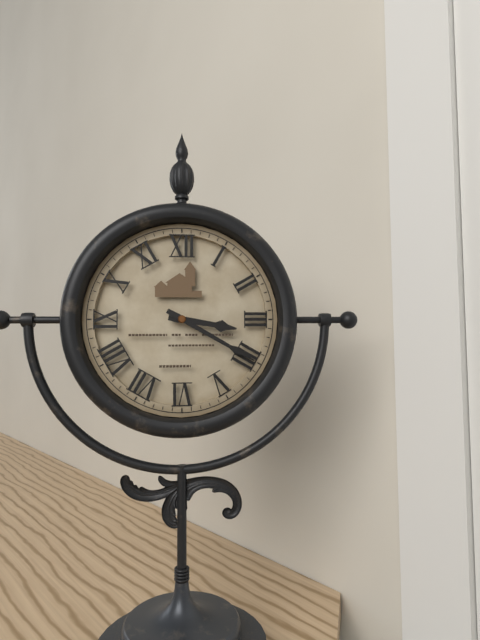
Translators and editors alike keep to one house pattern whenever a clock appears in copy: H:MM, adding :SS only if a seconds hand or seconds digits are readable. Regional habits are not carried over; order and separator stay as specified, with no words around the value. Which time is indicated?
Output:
3:20
